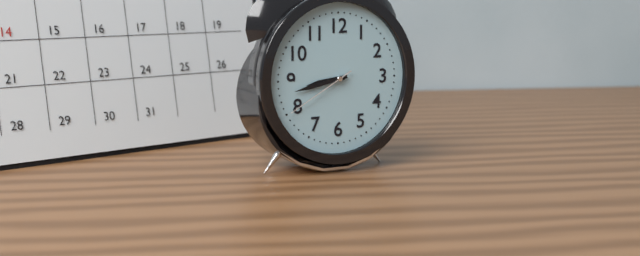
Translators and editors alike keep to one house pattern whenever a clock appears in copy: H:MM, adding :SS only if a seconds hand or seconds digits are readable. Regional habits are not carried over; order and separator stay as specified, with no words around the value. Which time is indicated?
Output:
8:43:40
